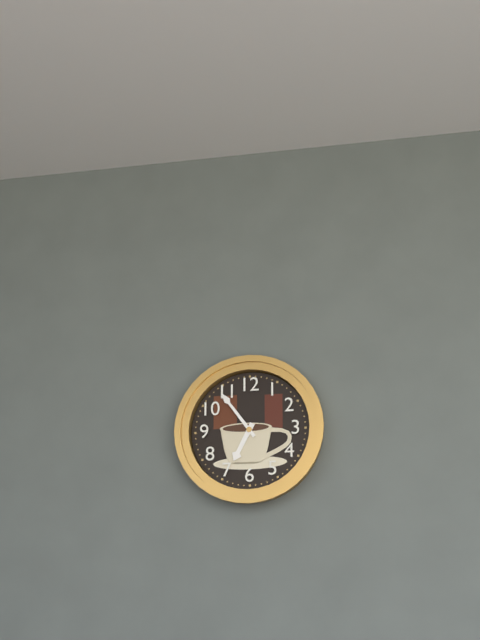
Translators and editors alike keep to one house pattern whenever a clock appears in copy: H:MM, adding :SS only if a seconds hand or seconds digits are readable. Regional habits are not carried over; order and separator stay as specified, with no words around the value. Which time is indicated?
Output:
6:54
